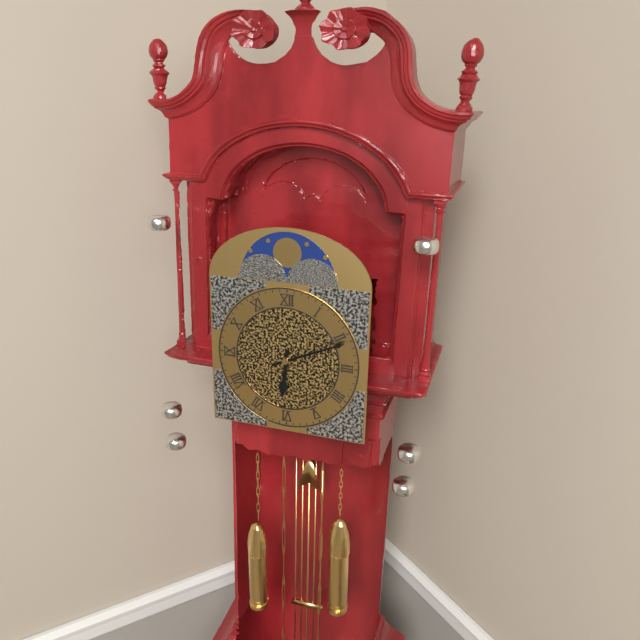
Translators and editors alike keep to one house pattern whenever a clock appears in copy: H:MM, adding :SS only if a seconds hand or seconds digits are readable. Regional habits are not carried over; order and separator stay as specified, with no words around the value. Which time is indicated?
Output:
6:11
